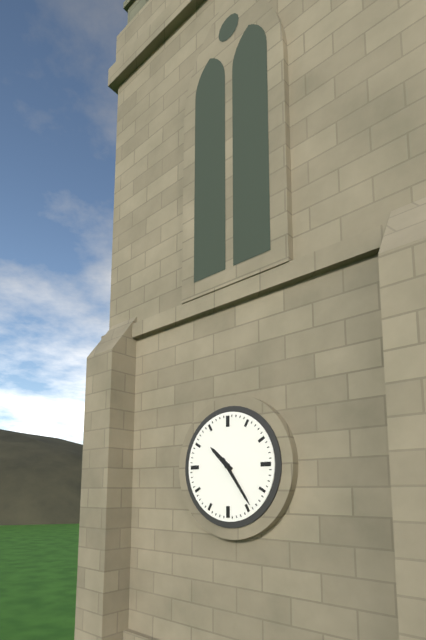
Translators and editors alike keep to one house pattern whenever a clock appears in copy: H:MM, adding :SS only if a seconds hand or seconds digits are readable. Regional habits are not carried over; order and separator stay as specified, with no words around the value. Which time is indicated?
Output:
10:24
